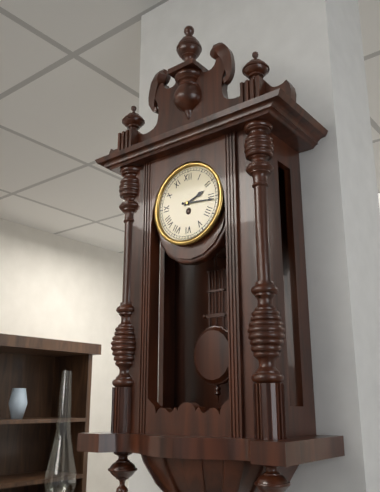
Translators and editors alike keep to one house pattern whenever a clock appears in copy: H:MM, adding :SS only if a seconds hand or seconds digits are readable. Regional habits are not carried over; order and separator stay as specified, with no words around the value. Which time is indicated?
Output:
2:16
